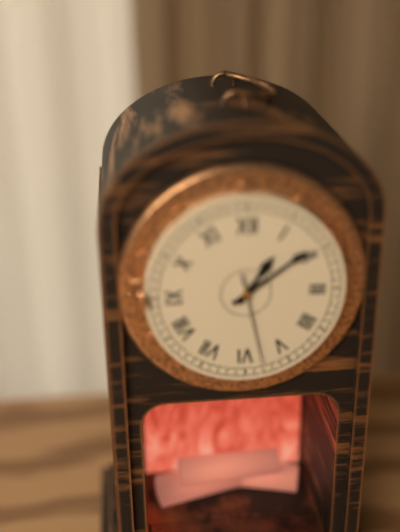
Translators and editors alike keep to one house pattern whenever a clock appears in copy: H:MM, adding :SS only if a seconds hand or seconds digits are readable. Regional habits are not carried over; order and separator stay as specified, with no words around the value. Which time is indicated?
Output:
1:09:28
